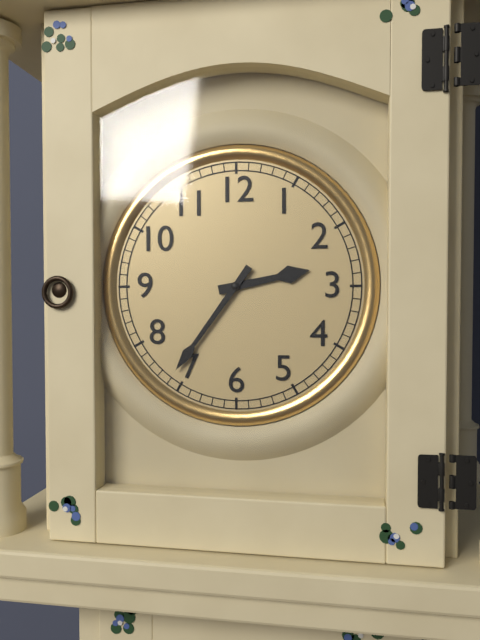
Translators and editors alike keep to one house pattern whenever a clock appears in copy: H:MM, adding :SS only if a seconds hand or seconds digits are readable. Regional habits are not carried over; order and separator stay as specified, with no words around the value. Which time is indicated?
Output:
2:36
